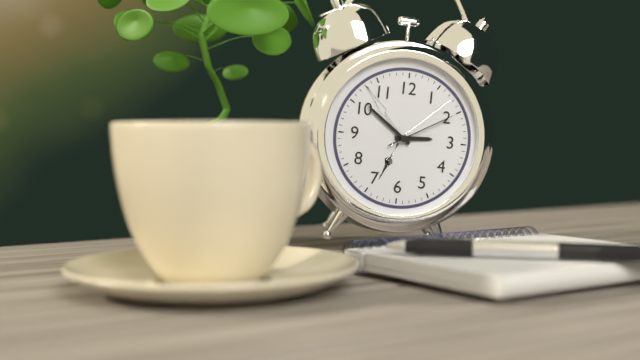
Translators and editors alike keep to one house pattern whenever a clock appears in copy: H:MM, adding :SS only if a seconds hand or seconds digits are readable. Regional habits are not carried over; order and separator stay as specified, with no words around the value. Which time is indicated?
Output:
2:51:10
